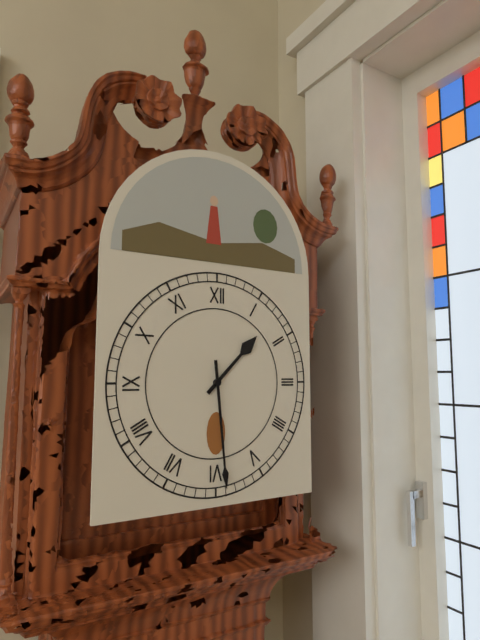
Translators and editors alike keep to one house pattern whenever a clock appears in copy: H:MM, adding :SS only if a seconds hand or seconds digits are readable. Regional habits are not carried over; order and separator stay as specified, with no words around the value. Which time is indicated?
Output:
1:29
